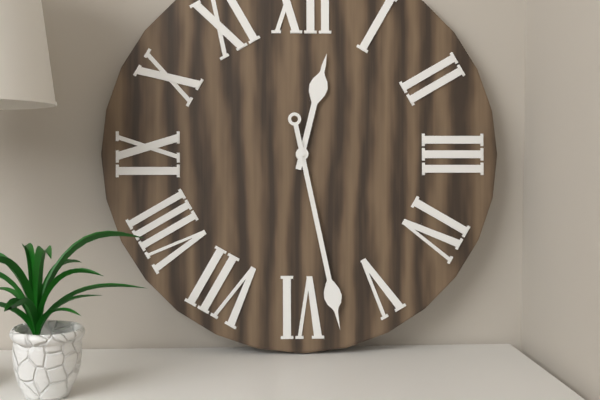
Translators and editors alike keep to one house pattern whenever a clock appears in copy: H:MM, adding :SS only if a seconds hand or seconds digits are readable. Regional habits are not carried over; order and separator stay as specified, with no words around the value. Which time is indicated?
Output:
12:28
